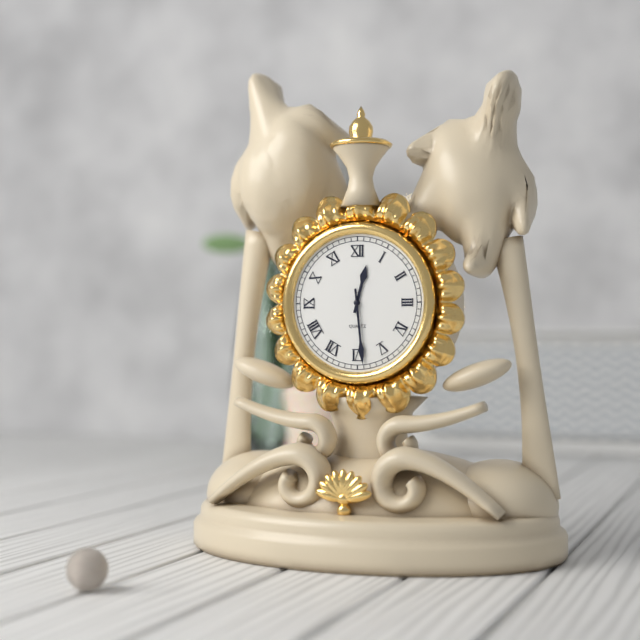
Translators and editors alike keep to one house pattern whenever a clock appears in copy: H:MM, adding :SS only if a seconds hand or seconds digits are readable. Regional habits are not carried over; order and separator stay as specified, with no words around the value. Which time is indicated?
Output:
12:29
